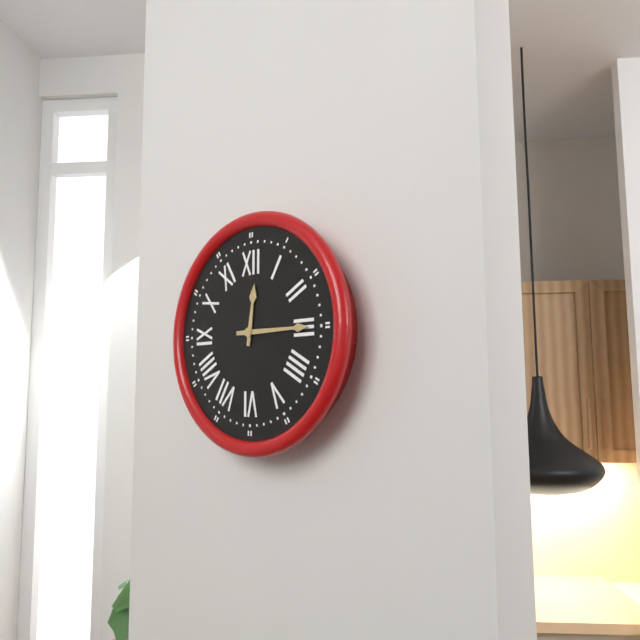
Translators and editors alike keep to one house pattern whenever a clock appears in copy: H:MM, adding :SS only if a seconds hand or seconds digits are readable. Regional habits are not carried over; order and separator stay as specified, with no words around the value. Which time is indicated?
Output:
12:15
